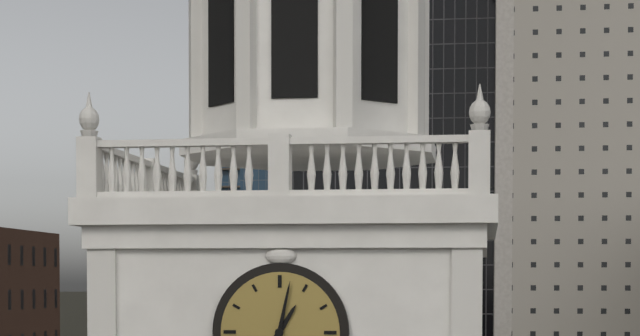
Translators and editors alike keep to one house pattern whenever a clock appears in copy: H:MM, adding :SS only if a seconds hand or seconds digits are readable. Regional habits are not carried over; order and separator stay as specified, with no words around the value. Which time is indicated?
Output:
1:02
